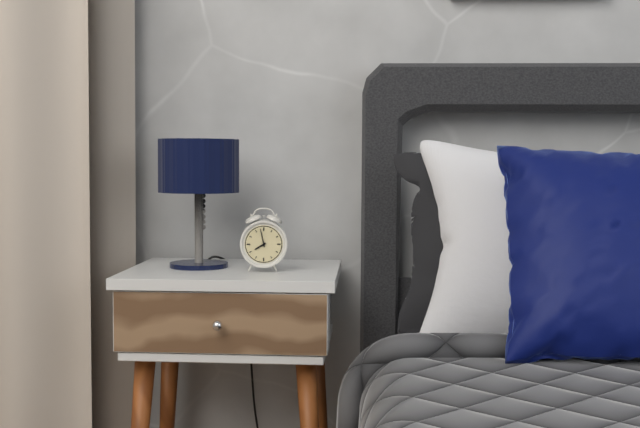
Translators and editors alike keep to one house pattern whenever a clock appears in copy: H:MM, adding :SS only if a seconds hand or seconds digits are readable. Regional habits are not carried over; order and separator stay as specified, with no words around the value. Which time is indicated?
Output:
7:58
